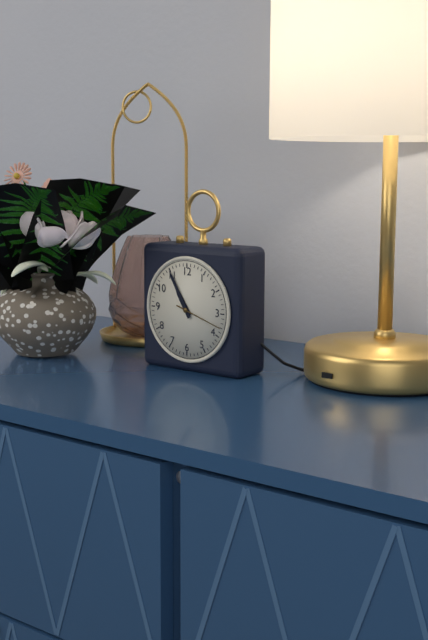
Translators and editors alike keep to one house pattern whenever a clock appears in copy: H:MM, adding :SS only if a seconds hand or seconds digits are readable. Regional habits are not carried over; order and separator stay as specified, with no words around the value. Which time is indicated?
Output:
10:55
